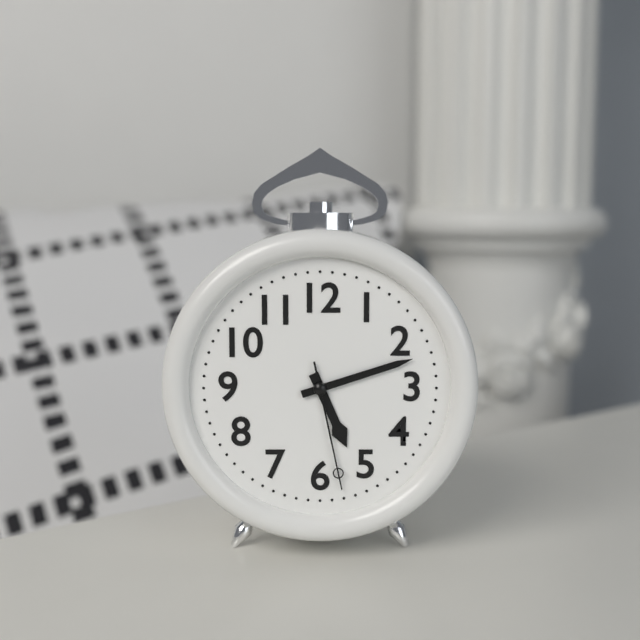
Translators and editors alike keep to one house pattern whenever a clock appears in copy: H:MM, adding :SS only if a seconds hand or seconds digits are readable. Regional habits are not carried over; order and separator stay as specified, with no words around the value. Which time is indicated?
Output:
5:12:28
